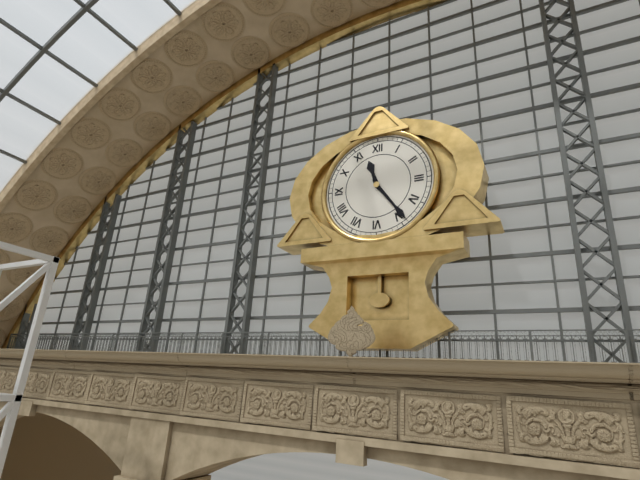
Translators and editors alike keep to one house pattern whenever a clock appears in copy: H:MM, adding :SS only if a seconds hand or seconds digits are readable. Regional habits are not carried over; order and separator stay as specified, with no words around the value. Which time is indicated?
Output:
11:24
